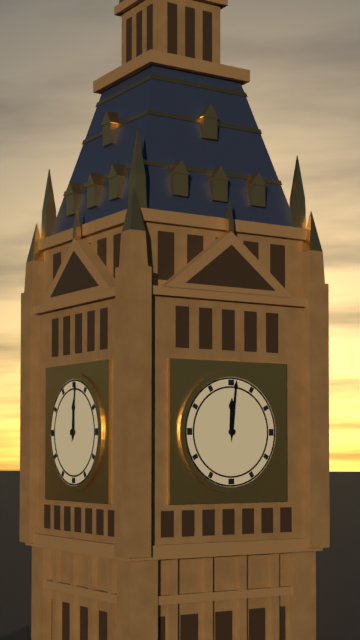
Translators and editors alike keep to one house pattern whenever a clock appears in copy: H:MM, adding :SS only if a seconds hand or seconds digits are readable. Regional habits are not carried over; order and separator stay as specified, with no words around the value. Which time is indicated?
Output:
12:01
